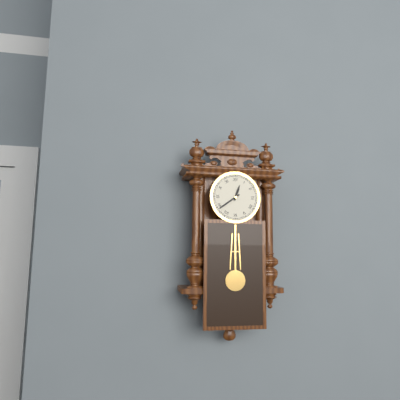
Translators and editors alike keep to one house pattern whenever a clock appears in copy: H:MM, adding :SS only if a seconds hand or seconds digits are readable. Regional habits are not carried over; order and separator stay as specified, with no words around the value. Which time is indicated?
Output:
12:39
